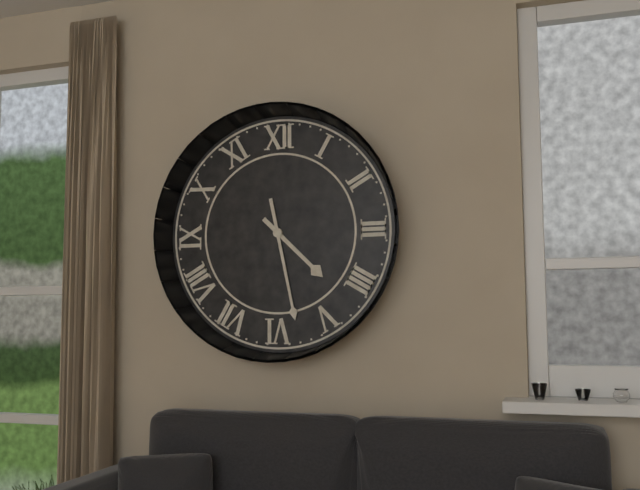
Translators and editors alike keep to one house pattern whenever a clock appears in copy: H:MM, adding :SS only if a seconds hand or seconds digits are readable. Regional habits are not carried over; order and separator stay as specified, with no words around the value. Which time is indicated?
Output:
4:28
